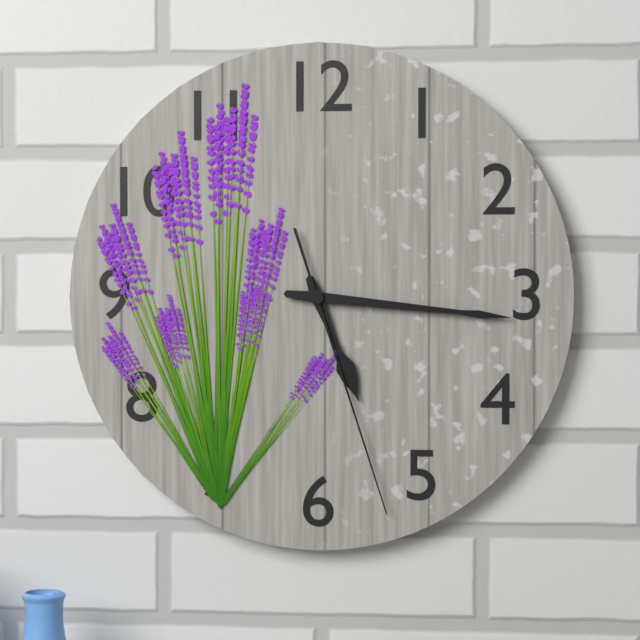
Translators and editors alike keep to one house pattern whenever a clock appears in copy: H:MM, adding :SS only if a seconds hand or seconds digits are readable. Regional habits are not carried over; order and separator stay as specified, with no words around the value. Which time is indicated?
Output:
5:16:27
